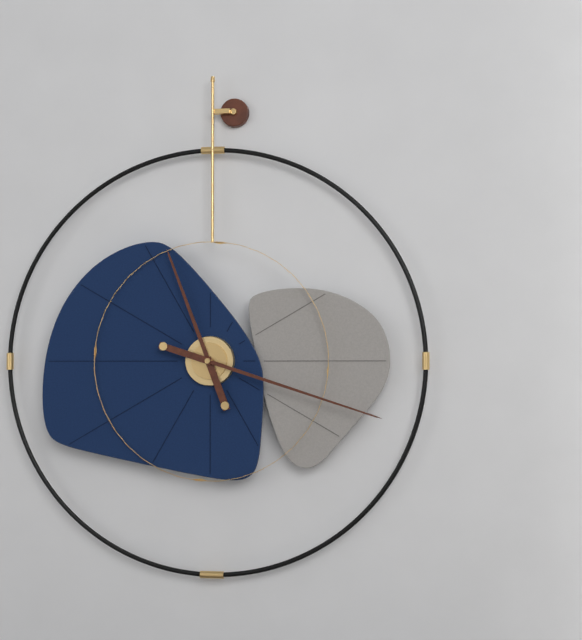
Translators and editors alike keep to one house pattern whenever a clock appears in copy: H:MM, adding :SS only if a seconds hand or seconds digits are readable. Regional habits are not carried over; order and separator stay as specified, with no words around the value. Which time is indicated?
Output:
11:18
